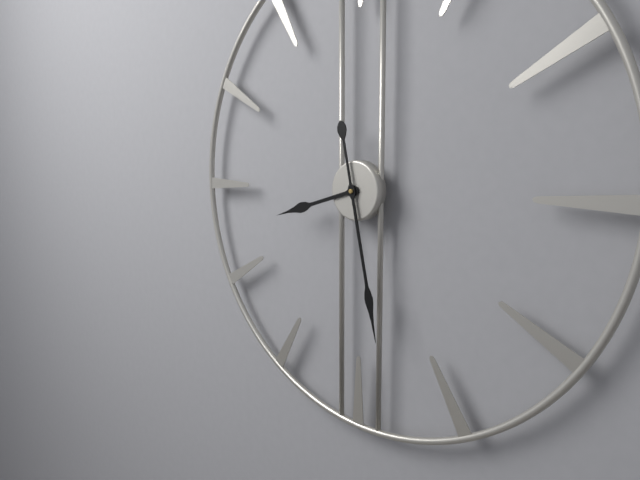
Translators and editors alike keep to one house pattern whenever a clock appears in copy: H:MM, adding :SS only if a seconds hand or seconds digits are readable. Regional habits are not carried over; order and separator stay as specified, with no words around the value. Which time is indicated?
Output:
8:28
